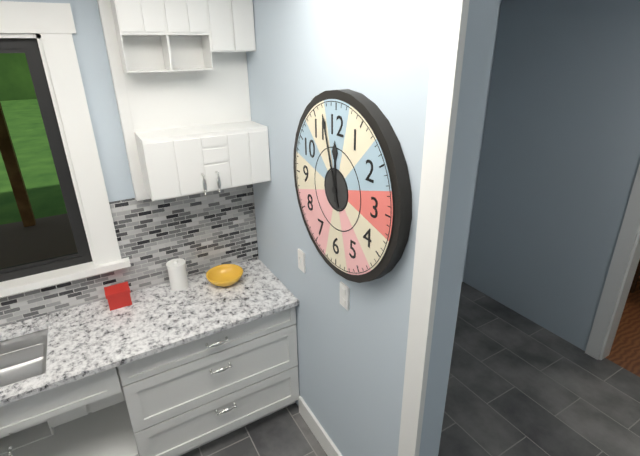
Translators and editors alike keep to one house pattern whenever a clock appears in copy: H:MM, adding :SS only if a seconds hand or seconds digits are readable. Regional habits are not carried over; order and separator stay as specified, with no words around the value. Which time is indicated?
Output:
11:57
